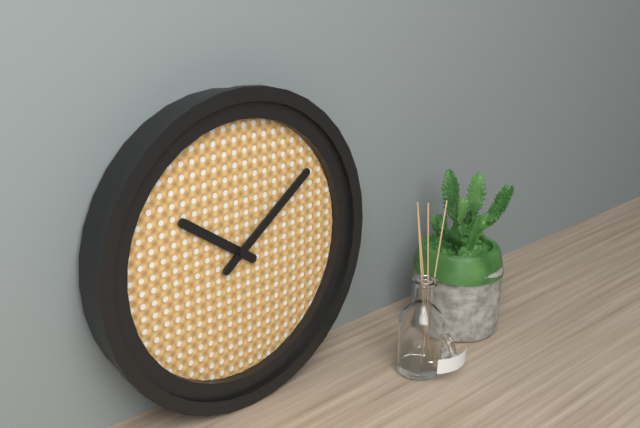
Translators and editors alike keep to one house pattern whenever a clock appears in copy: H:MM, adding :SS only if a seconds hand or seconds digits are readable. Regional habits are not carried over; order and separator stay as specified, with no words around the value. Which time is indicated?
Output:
10:09
